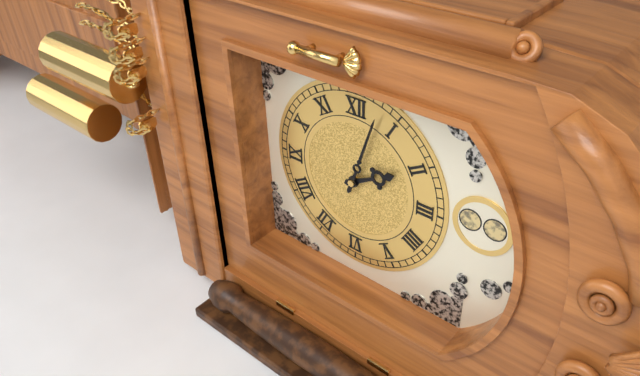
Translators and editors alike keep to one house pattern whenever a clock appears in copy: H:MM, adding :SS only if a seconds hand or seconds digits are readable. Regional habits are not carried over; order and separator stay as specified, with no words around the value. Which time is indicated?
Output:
2:03
